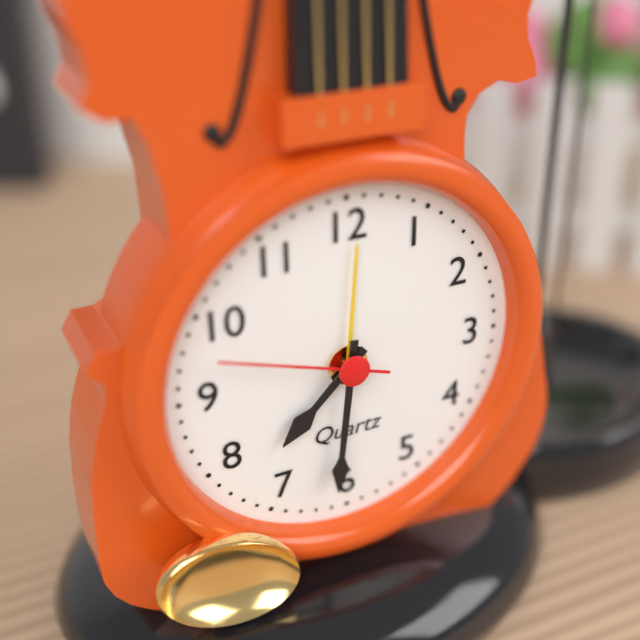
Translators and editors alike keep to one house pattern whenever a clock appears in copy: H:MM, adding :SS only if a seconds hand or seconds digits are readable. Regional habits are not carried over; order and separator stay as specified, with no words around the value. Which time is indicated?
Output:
7:31:48
